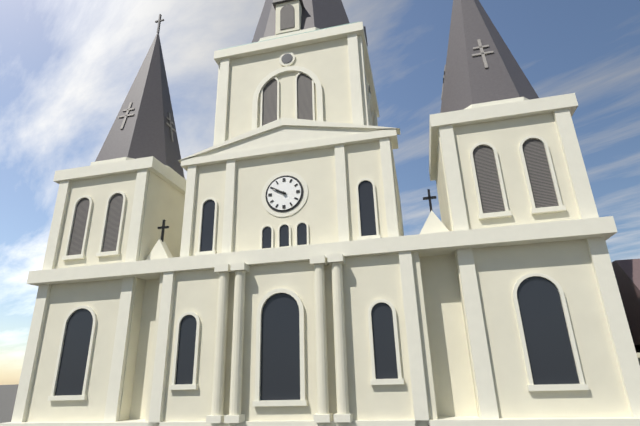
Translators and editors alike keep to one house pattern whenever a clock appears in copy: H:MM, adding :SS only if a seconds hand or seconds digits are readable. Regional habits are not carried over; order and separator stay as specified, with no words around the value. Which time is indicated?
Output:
9:50
